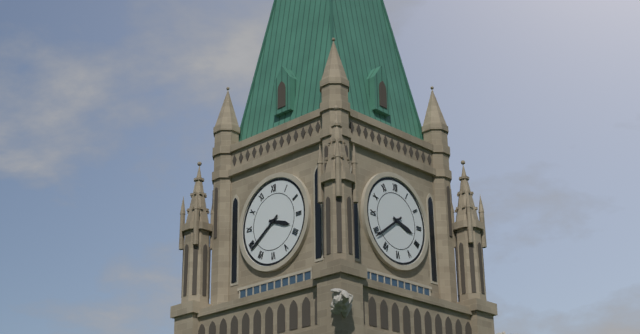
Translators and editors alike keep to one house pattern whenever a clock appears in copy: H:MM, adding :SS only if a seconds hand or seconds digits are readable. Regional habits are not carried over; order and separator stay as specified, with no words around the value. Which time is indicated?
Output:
3:39
